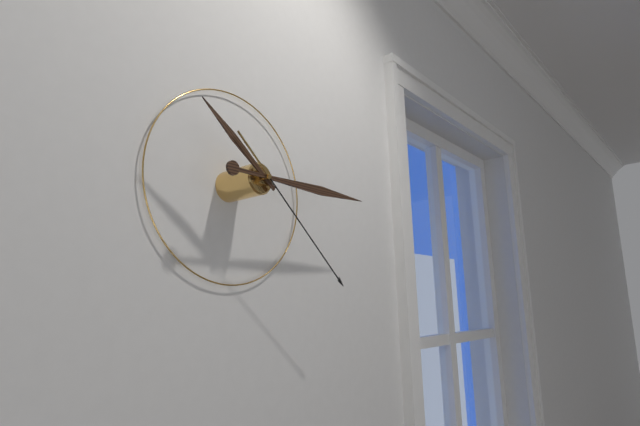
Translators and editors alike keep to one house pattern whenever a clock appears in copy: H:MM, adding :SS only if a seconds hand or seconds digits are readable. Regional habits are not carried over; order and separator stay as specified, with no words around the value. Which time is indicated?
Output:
10:15:22
